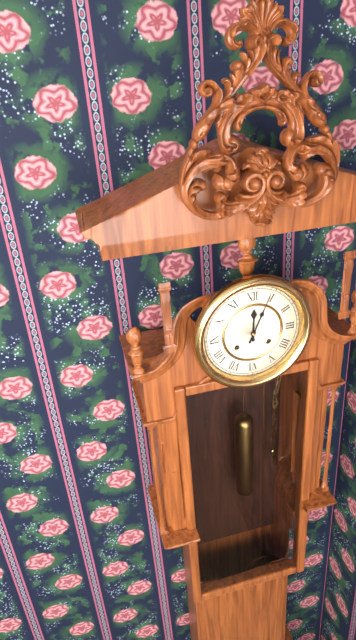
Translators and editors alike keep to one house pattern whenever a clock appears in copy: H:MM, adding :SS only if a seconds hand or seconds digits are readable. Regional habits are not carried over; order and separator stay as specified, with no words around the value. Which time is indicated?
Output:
12:04
